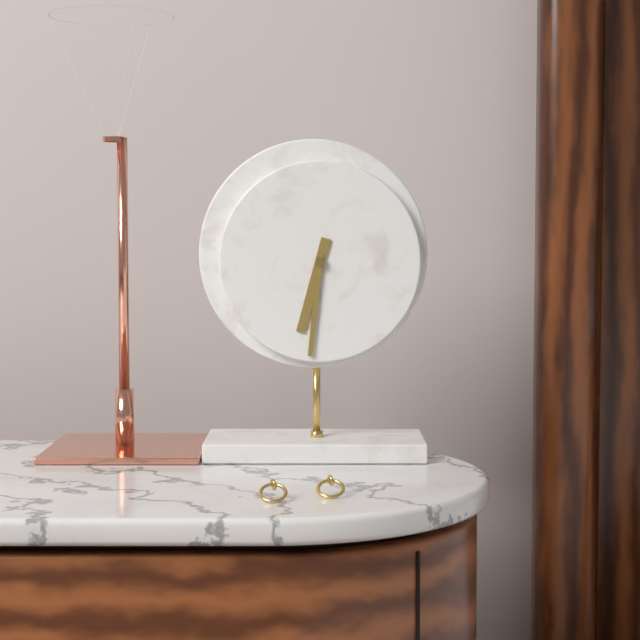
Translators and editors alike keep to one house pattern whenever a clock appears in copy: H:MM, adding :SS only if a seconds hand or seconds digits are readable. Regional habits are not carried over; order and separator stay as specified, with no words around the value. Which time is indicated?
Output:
6:31
